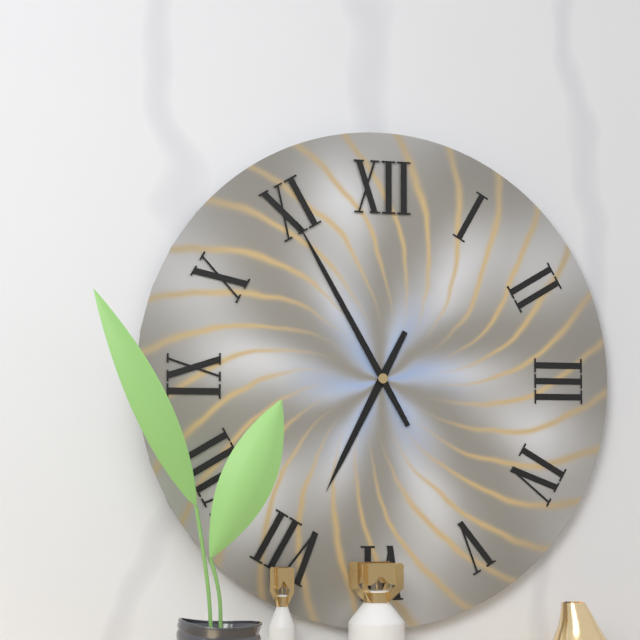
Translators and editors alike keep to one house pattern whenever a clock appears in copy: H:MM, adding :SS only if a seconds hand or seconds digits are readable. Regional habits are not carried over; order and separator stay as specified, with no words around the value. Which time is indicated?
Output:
6:55
